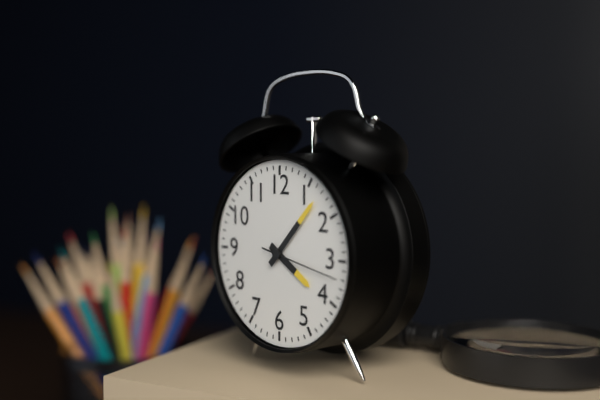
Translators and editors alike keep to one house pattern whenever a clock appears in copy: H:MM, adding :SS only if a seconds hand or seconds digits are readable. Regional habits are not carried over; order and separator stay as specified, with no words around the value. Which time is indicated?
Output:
4:07:17
